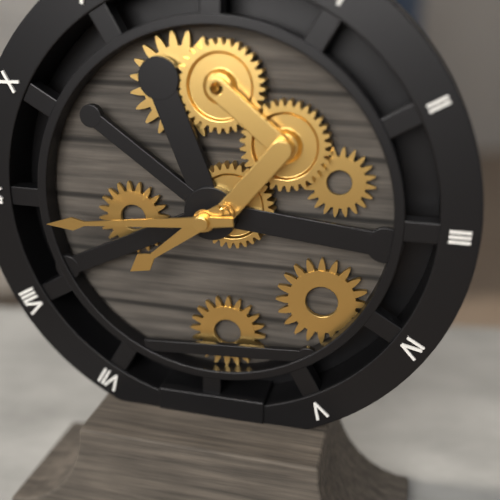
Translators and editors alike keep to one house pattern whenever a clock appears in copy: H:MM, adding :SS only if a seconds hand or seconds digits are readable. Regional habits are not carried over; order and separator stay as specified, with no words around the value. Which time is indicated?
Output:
7:44
